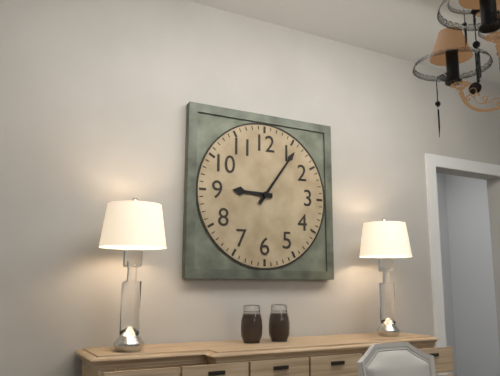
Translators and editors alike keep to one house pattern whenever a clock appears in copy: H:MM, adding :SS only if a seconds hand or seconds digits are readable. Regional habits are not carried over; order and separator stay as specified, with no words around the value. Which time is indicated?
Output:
9:06
